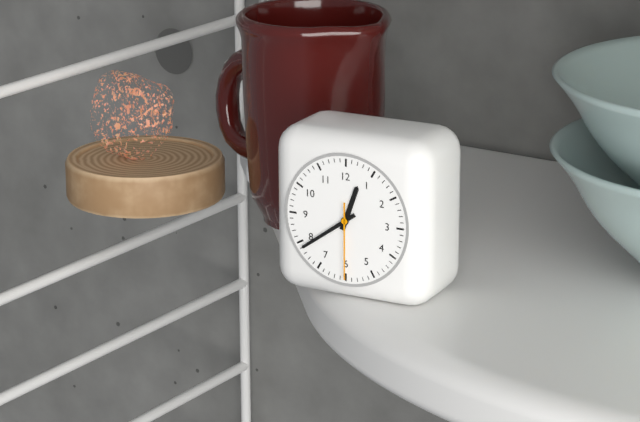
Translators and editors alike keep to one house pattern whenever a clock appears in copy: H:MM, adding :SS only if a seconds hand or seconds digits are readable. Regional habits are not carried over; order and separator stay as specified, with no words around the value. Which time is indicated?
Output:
12:39:30
